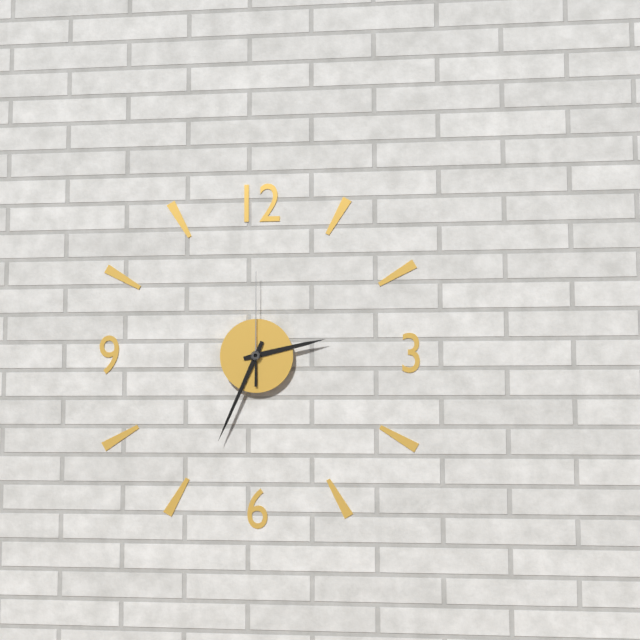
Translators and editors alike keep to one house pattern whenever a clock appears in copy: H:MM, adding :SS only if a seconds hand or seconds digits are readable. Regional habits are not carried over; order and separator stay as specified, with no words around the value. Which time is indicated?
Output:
2:34:00
